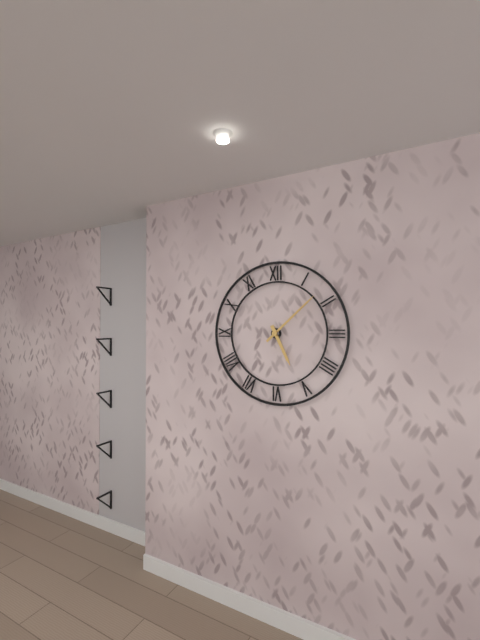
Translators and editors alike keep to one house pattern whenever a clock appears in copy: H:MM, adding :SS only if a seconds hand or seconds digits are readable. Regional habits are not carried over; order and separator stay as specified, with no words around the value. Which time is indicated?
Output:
5:08
